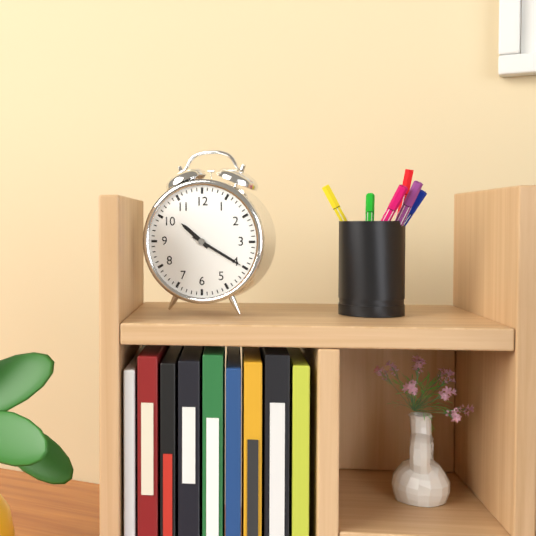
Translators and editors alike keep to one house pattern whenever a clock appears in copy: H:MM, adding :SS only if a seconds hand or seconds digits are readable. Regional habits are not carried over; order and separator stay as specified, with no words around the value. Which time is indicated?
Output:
10:20
